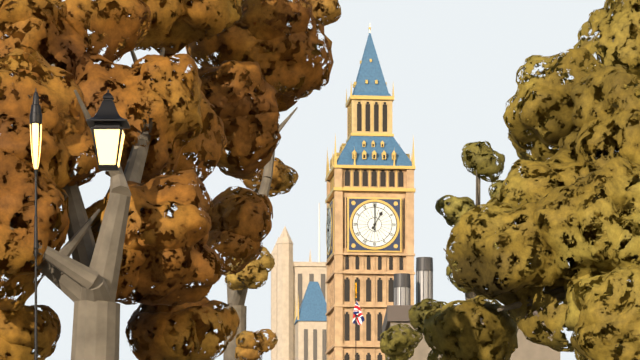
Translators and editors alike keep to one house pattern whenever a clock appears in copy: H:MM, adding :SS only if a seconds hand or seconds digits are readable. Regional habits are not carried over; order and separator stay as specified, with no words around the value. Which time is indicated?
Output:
1:00
